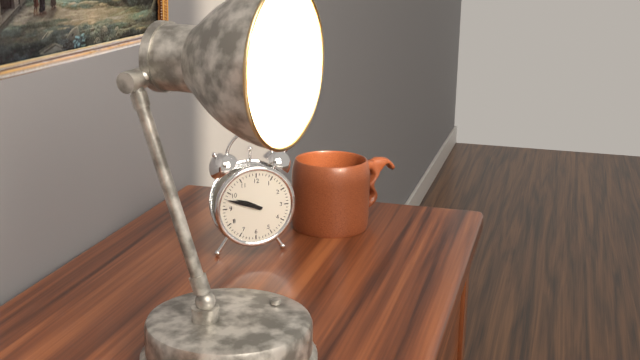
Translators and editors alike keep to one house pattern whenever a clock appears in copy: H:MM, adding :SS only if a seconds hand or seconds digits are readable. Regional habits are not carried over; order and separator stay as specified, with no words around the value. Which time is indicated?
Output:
9:48
